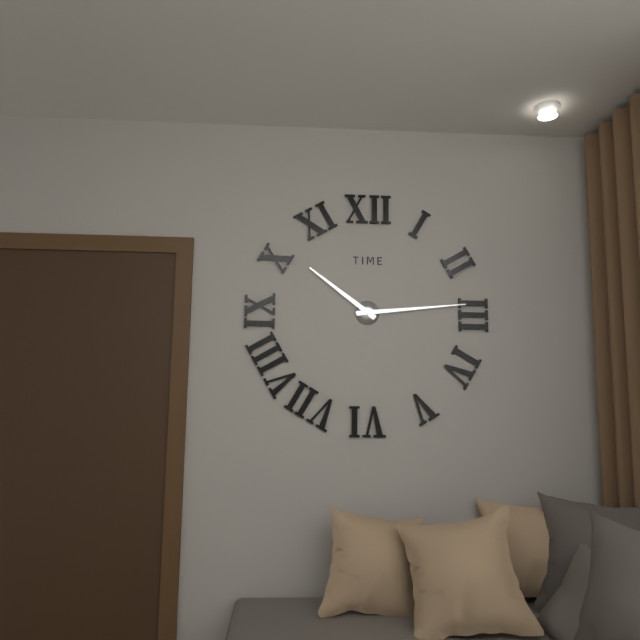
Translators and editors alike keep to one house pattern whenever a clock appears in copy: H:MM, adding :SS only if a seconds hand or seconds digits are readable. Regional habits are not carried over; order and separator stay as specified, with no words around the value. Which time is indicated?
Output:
10:14
